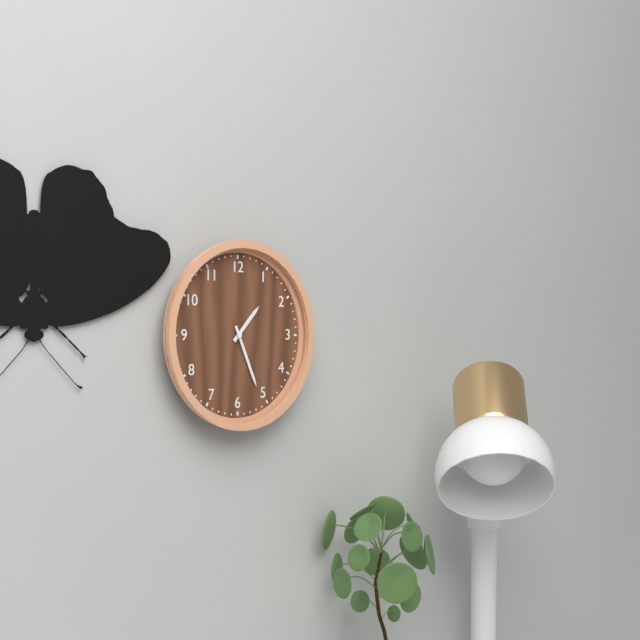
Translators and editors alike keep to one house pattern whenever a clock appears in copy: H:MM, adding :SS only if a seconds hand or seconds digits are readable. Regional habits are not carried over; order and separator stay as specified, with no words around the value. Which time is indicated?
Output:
1:26
